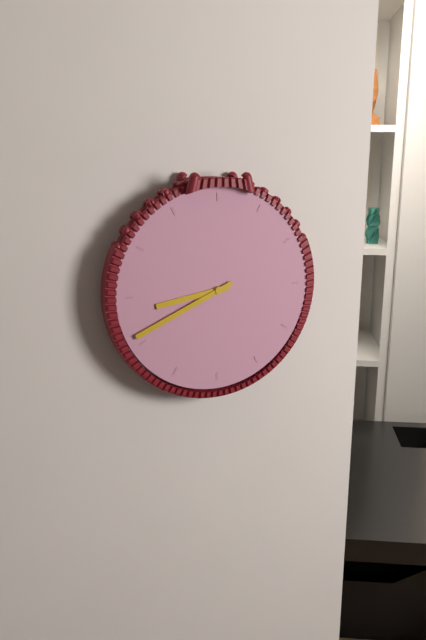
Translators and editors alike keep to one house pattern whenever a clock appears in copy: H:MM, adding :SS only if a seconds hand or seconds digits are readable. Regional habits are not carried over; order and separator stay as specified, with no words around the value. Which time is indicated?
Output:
8:41
